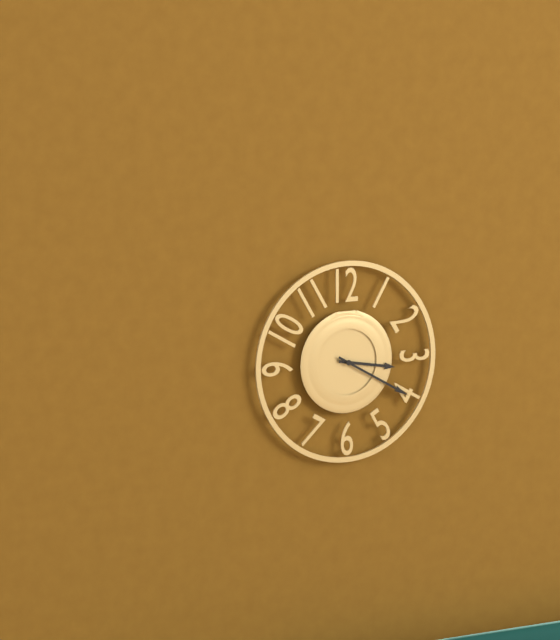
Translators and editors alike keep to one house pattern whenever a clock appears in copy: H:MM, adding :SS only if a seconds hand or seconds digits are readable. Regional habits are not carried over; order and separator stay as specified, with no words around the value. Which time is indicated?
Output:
3:20
